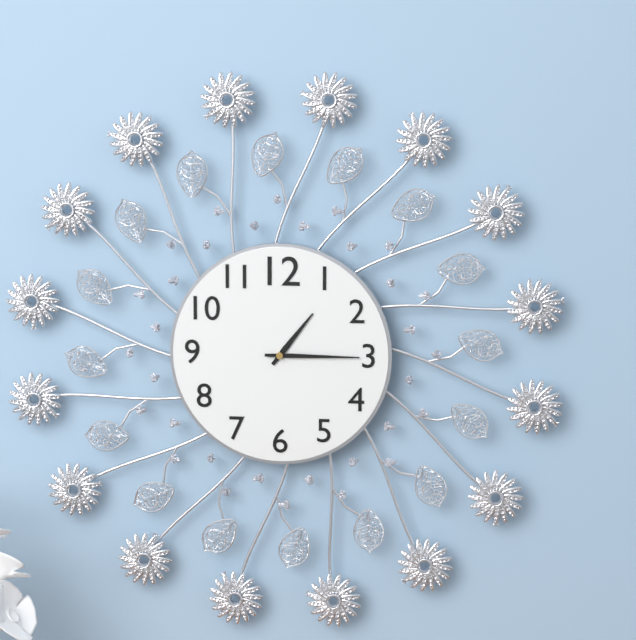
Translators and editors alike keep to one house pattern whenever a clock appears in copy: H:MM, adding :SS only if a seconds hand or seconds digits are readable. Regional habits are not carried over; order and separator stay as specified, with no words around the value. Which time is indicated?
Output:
1:15
